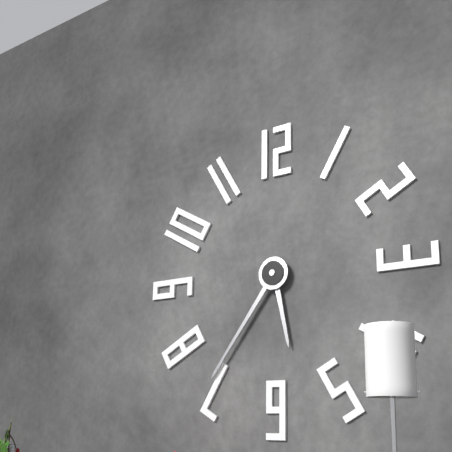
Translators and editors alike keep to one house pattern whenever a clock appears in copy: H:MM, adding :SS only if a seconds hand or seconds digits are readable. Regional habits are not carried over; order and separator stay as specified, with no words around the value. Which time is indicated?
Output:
5:36
